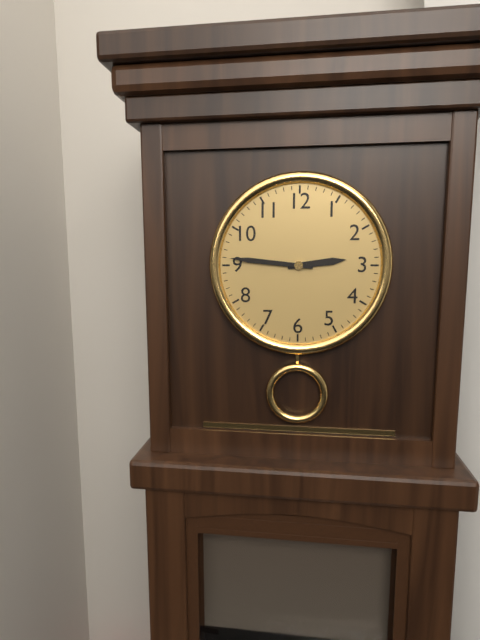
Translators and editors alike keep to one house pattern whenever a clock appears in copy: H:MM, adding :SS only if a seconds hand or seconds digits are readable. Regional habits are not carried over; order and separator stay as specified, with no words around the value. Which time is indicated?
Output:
2:46
